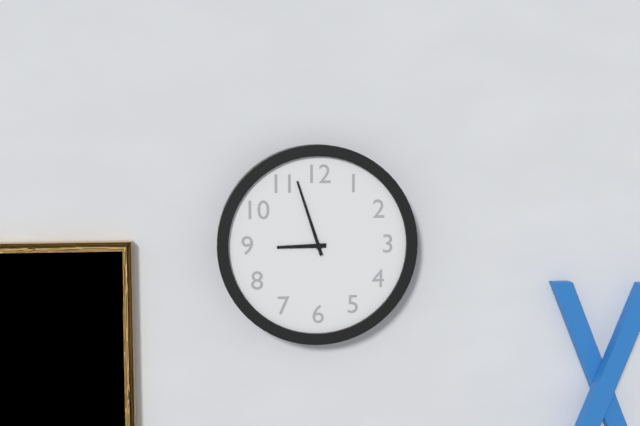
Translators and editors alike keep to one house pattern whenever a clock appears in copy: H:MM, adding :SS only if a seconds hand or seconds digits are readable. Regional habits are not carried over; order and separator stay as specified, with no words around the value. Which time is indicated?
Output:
8:57
